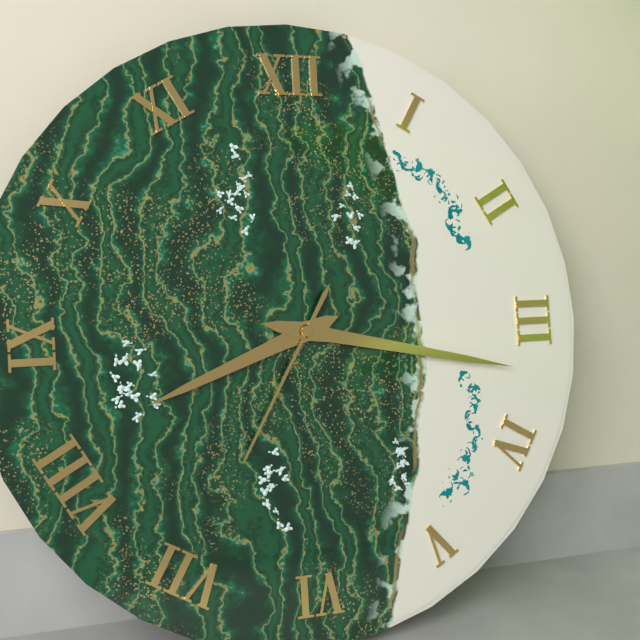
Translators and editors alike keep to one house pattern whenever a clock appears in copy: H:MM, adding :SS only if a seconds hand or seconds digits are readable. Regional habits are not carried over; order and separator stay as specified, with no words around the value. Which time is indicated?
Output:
8:17:35
